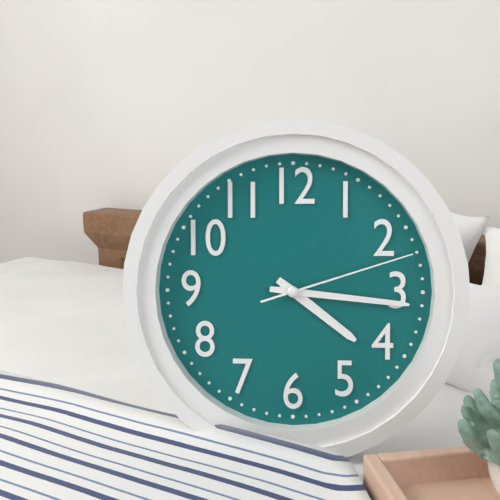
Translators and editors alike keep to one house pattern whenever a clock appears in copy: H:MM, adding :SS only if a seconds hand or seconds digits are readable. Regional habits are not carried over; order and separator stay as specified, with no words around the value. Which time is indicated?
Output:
4:16:12
